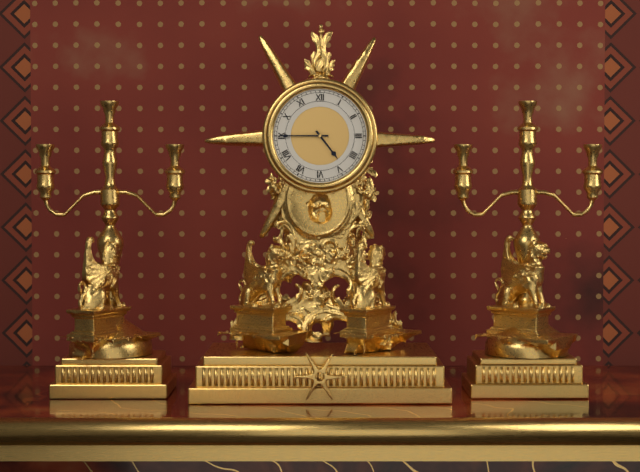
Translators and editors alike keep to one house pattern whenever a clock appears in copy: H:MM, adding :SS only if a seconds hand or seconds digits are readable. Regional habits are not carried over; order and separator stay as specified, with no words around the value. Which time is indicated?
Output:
4:45
